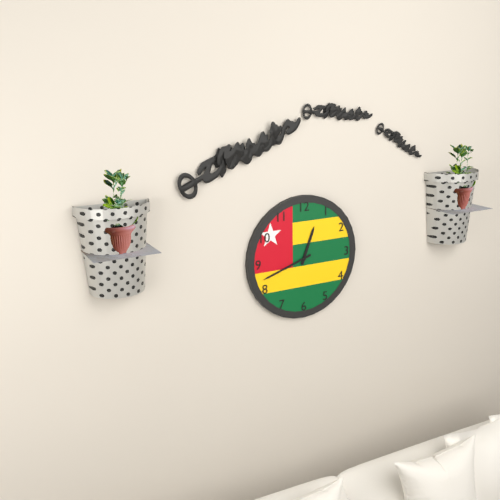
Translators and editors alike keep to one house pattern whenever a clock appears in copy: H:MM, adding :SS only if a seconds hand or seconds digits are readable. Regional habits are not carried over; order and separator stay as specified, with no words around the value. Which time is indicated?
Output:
12:42
